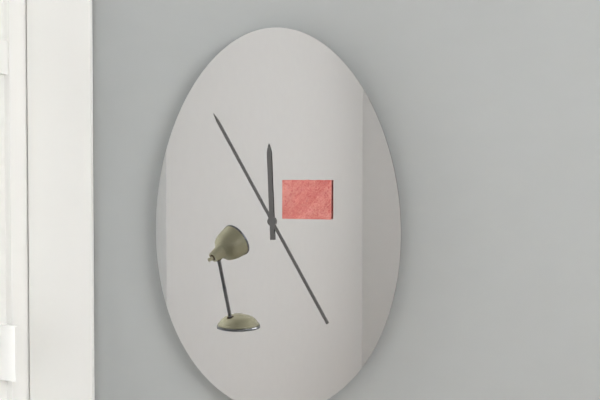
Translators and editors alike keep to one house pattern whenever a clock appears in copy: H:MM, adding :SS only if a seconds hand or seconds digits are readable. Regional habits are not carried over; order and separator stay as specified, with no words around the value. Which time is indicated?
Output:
11:55
